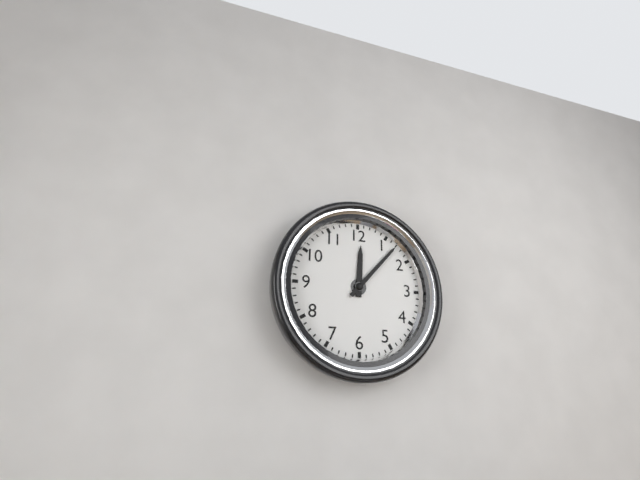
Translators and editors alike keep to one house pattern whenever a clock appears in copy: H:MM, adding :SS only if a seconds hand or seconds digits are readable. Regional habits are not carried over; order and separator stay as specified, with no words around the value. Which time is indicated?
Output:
12:07
